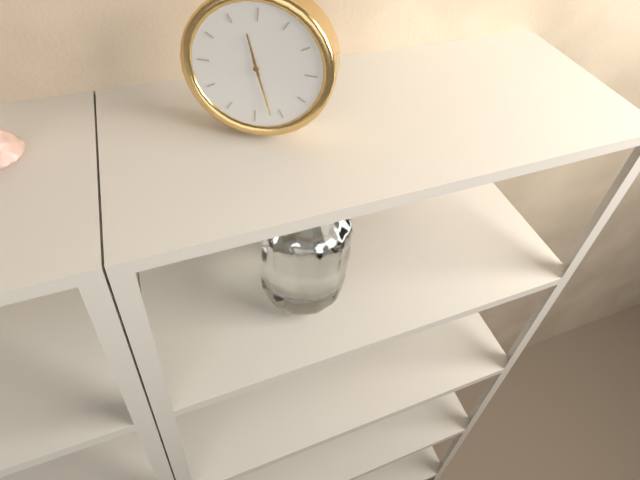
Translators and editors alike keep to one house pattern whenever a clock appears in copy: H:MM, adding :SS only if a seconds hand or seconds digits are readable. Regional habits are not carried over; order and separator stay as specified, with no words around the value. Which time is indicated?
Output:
11:27
